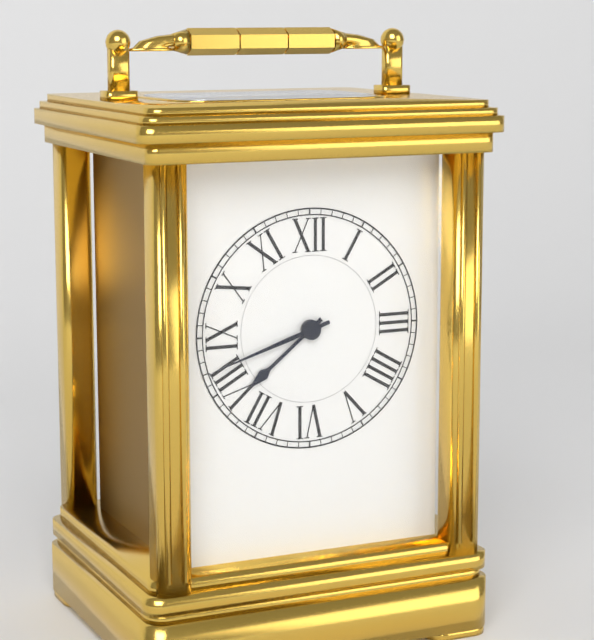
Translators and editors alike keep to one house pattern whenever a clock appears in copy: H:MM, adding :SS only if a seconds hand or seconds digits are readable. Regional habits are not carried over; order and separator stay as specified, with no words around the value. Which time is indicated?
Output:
7:42
